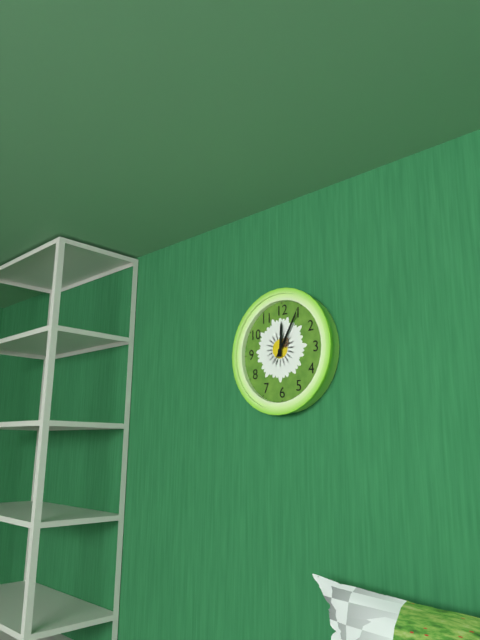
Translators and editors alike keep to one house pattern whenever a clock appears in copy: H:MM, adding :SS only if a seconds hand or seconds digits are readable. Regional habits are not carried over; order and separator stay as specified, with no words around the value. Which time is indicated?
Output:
12:05:05
